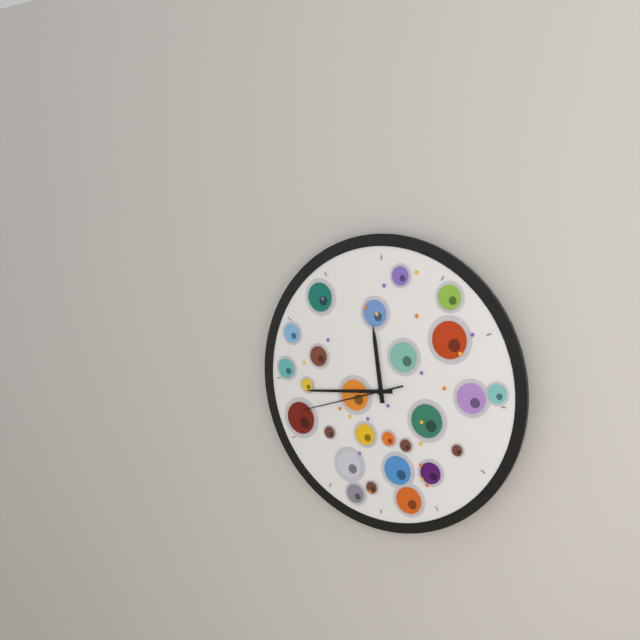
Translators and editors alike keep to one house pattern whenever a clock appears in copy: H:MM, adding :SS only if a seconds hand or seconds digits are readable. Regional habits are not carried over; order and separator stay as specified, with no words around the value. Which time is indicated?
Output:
11:44:42
